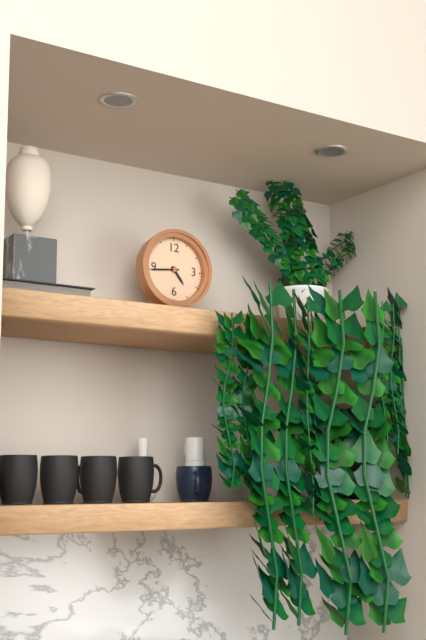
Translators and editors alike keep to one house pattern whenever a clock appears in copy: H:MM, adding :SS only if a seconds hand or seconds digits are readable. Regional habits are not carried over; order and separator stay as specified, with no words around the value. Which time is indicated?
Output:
4:44
